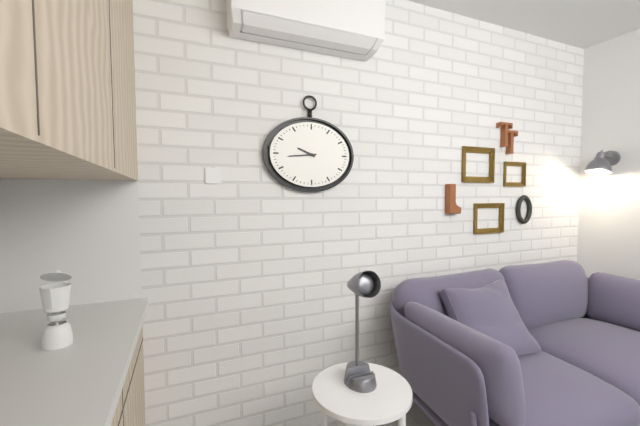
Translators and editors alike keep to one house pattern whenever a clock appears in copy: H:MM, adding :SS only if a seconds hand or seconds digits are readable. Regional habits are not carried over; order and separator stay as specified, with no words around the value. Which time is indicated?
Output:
9:44
